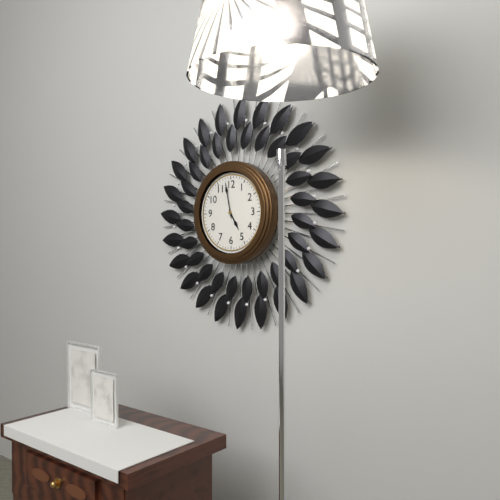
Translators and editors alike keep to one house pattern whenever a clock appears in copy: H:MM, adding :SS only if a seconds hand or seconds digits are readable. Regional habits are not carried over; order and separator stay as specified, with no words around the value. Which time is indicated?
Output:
4:58
